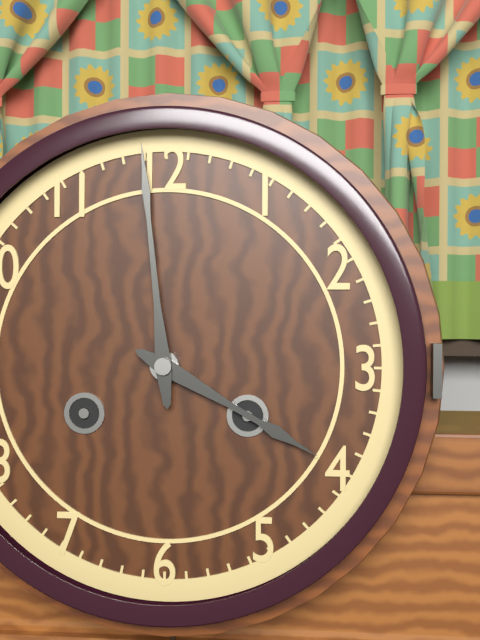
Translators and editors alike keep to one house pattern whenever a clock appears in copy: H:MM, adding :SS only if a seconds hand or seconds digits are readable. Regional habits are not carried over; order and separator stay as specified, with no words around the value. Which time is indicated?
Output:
3:59
